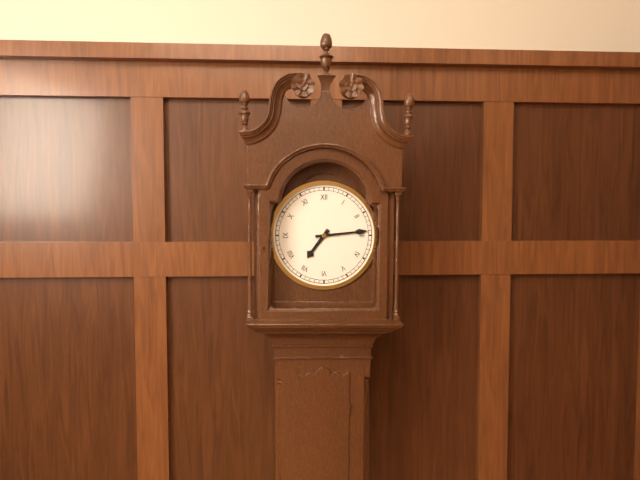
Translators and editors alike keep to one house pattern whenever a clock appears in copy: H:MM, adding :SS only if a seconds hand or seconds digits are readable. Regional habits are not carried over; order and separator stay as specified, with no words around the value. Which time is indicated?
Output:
7:14
